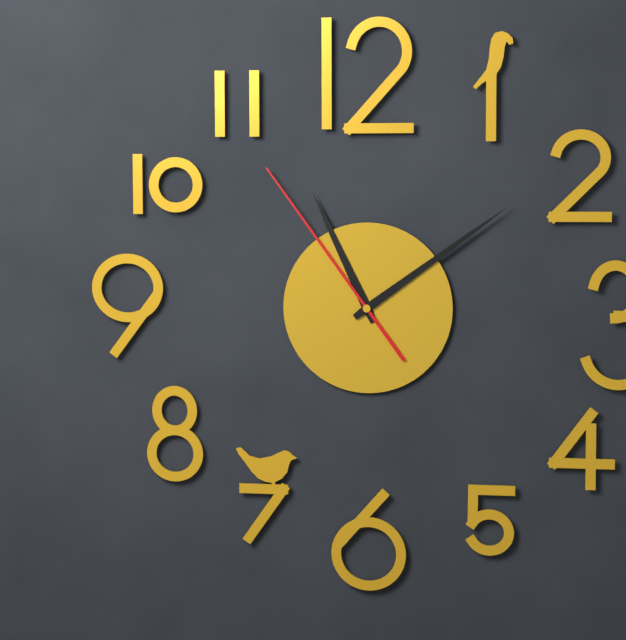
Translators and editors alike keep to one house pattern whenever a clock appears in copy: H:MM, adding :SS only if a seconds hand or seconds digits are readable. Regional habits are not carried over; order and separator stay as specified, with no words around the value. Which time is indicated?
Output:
11:09:54
